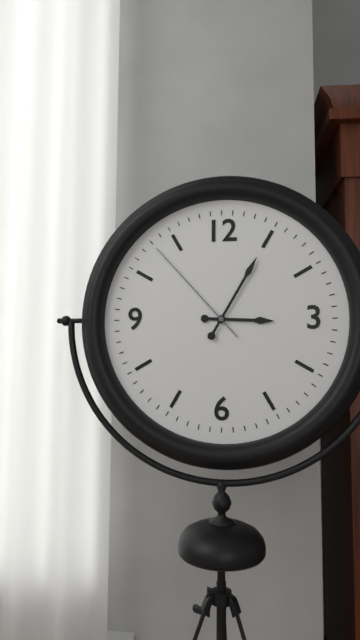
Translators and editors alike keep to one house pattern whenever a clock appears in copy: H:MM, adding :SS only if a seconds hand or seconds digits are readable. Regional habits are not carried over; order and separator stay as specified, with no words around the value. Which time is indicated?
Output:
3:05:53
